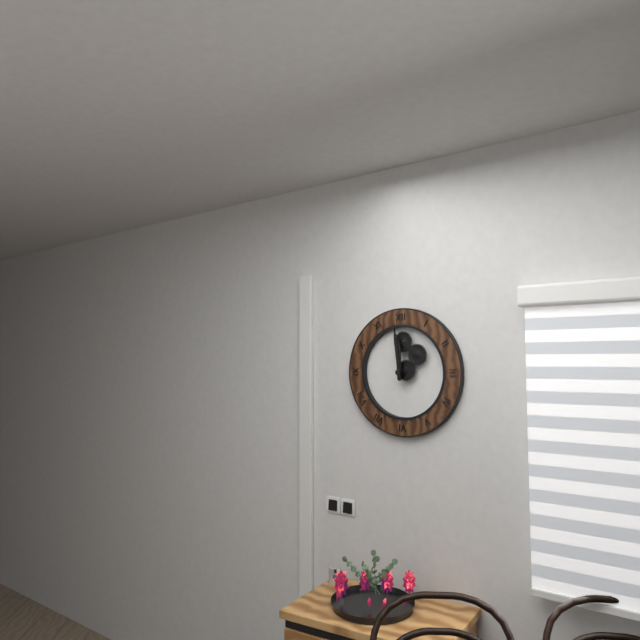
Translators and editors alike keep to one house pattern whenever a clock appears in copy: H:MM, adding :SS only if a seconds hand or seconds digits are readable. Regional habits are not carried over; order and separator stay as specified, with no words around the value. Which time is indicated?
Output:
11:59
